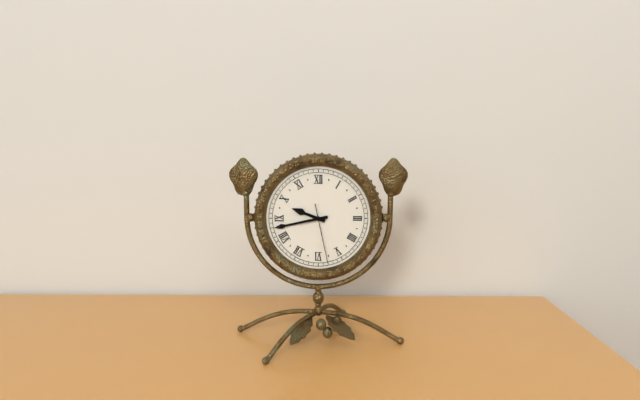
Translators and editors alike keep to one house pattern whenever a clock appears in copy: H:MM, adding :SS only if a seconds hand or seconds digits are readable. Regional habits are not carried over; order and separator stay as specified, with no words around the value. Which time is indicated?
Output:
9:43:28
